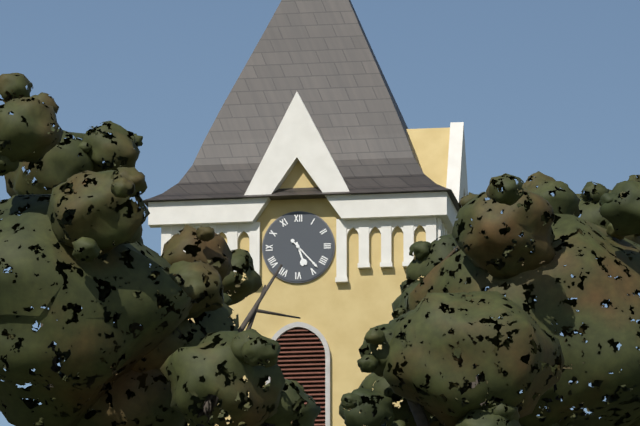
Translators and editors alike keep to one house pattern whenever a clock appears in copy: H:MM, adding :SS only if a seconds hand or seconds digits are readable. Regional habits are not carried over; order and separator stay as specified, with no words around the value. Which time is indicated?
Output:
5:23
